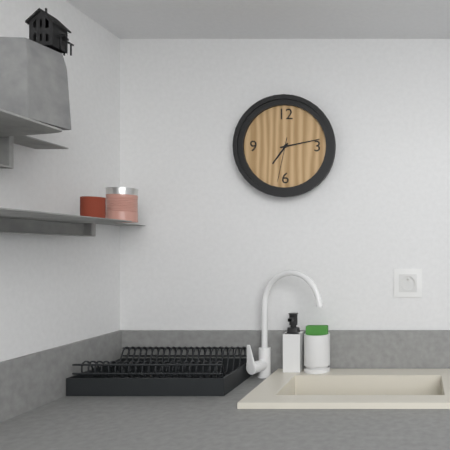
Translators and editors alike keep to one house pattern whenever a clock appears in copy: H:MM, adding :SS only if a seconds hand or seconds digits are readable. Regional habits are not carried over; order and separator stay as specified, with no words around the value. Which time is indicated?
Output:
7:13
